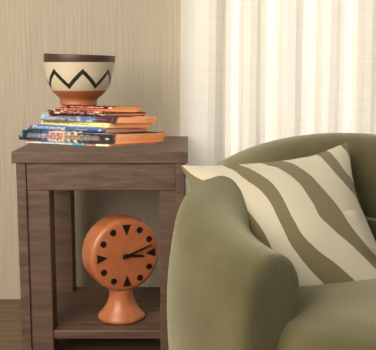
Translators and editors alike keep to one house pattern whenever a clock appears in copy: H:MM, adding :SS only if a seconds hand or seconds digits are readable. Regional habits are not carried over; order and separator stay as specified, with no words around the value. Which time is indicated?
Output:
3:12
